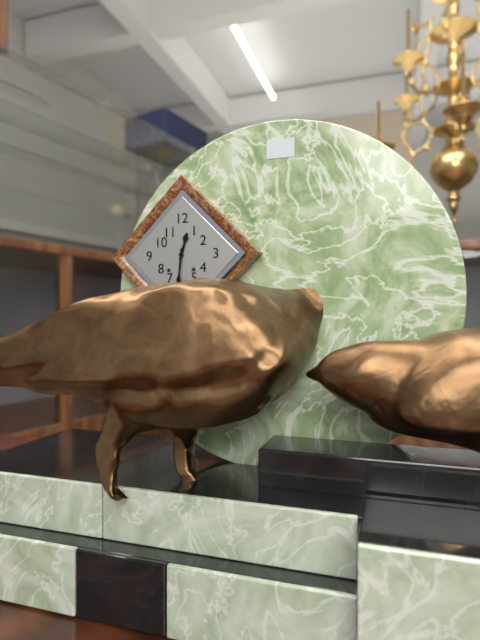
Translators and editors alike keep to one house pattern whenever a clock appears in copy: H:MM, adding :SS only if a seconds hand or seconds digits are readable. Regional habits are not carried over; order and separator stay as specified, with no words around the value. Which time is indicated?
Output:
12:31
